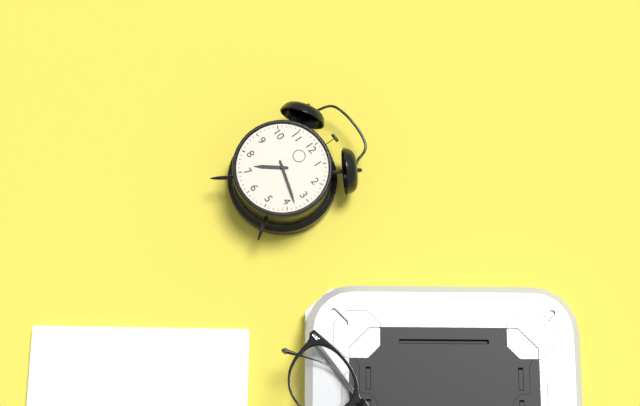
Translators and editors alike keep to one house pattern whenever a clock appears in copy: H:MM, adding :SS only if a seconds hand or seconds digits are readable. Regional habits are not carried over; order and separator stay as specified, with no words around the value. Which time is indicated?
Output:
7:18
